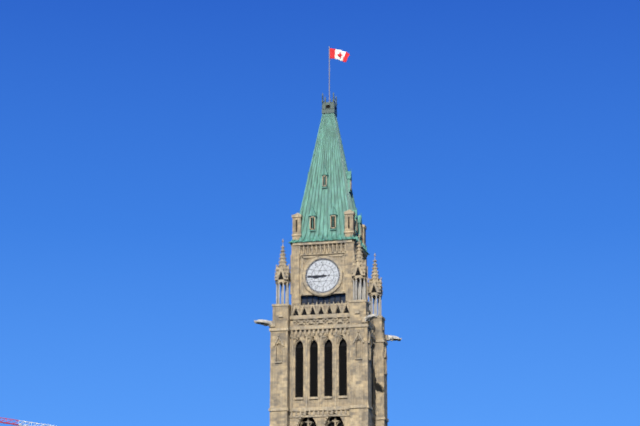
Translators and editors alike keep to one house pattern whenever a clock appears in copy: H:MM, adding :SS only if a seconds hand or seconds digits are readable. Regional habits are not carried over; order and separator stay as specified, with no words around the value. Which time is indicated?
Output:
8:45
